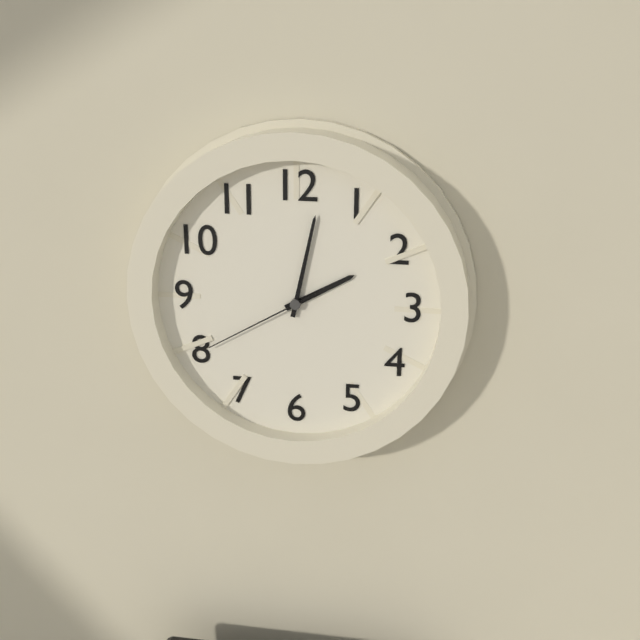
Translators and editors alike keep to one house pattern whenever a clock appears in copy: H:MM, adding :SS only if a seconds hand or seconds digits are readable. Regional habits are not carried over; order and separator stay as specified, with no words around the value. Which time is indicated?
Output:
2:02:40
